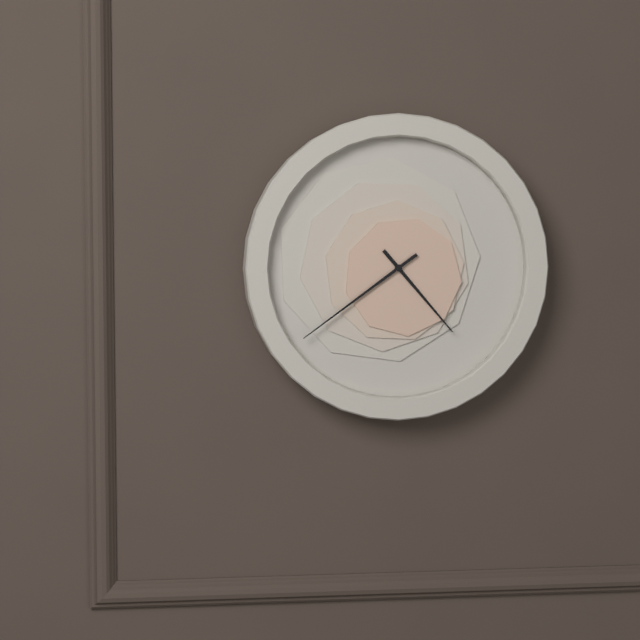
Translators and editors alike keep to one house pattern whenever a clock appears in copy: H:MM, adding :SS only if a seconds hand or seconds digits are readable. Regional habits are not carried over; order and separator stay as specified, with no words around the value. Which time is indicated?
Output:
4:39
